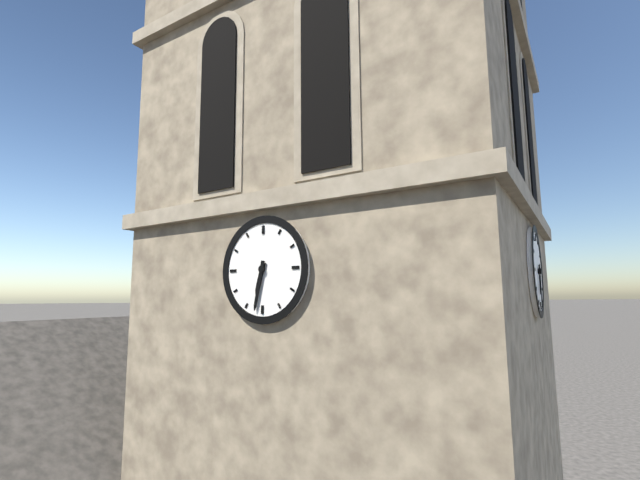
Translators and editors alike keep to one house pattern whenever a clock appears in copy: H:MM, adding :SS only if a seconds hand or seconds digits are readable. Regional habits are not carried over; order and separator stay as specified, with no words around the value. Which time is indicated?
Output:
6:32
